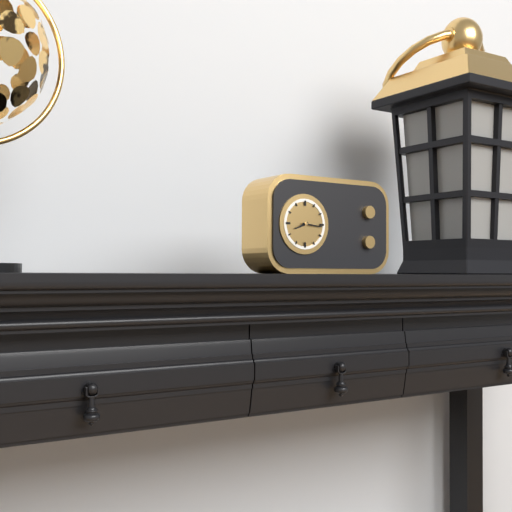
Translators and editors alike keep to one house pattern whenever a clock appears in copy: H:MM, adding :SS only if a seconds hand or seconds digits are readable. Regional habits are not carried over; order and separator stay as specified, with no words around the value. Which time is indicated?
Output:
8:16
